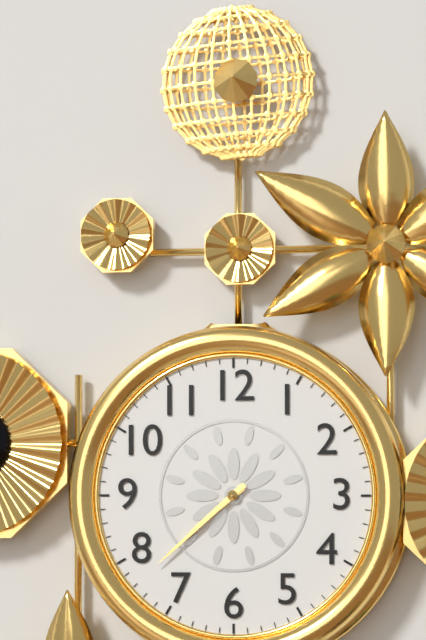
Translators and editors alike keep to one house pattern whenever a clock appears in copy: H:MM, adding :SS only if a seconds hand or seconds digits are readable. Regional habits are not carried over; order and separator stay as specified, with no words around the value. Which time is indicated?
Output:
7:38
